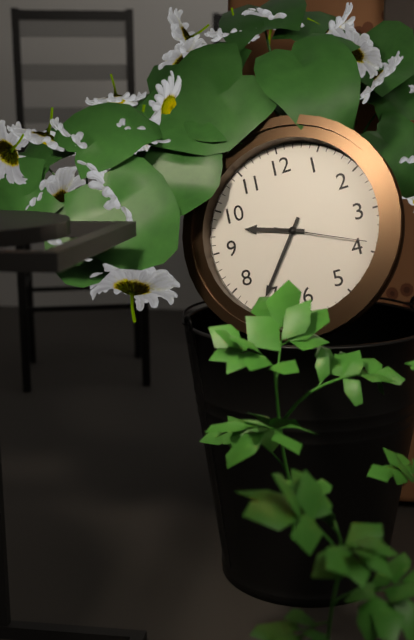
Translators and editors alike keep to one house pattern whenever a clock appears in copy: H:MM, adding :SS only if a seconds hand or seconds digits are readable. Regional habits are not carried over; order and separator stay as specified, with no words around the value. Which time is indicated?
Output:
9:36:19
